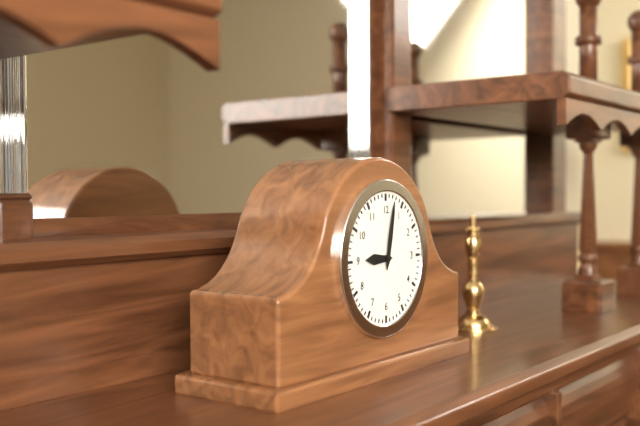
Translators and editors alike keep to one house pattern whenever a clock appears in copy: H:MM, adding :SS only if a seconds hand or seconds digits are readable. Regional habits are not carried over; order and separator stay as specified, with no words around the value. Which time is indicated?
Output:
9:02
